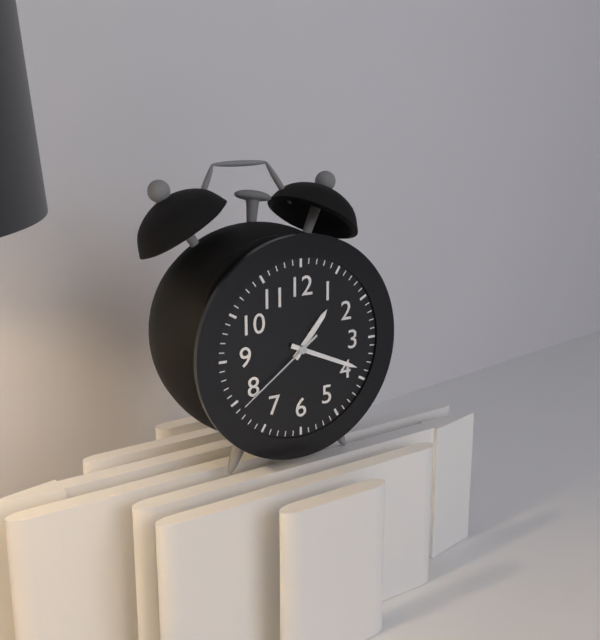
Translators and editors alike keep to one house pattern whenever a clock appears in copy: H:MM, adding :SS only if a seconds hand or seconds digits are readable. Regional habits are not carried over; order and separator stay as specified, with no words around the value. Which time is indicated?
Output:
1:19:39
